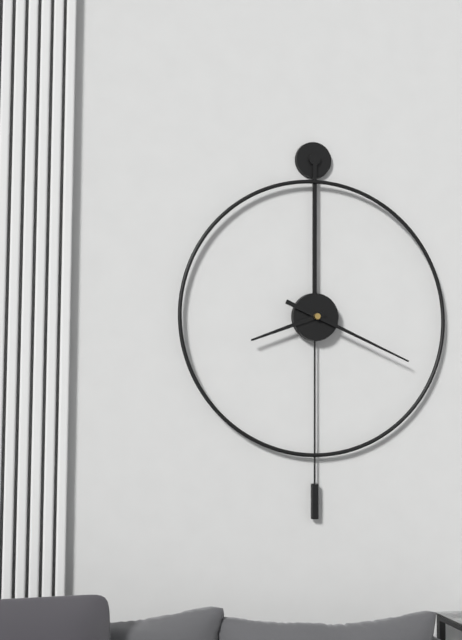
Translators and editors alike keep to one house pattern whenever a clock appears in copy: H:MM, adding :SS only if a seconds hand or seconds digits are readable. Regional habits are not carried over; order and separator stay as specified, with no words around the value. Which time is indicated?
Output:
8:19
